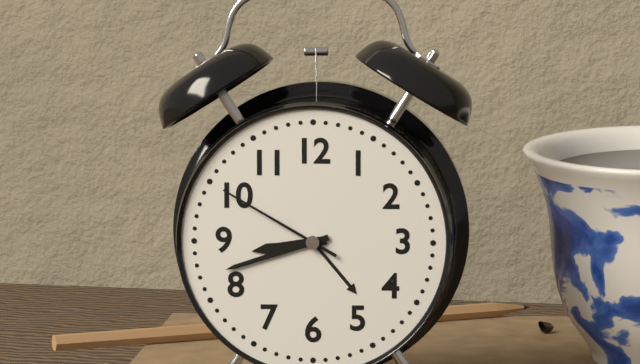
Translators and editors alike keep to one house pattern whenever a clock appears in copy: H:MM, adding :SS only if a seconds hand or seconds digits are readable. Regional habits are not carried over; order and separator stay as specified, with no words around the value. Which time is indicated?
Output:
8:42:50
